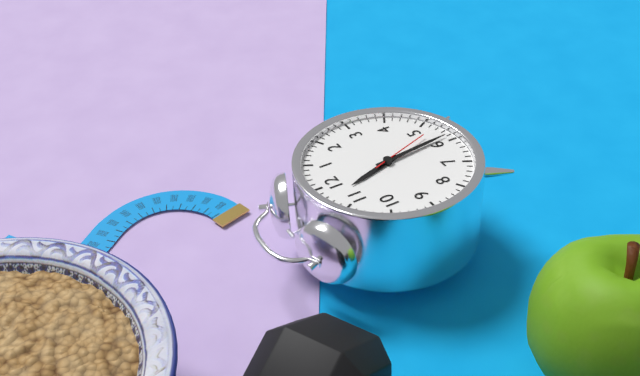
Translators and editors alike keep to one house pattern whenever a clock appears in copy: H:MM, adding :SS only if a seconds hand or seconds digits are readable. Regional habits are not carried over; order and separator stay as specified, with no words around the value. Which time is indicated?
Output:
11:29:27
